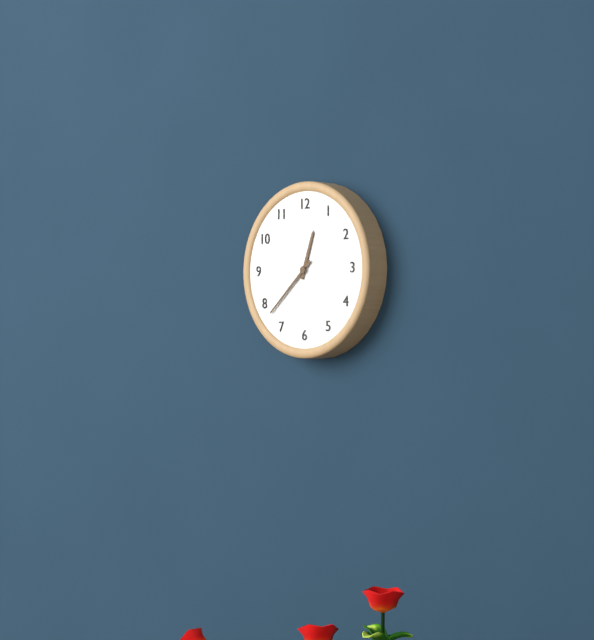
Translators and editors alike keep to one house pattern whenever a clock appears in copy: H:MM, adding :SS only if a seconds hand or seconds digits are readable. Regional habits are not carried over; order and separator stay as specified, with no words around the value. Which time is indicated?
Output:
12:38
